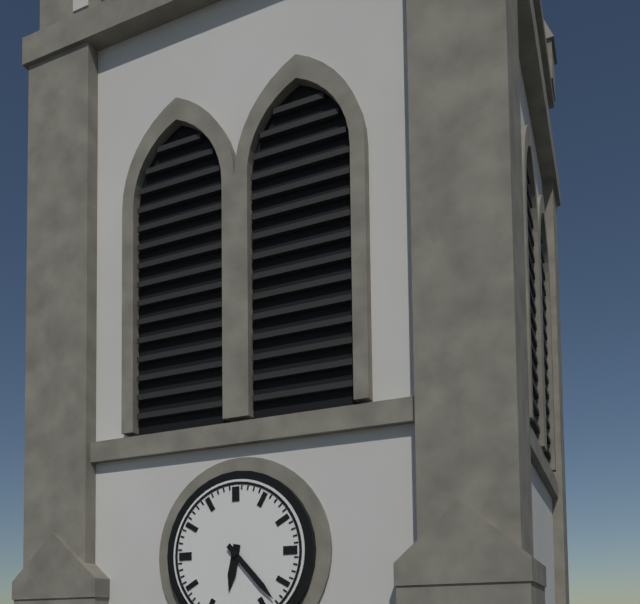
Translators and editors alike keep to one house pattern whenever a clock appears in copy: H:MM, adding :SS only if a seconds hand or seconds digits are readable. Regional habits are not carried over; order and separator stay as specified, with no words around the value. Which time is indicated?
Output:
6:23
